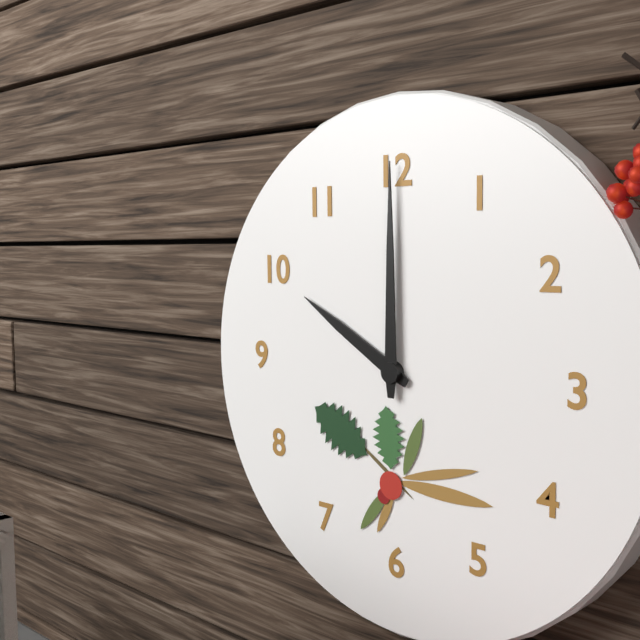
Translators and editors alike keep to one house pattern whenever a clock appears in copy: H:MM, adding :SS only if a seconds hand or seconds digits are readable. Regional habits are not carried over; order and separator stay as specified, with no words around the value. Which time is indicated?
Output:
10:00
